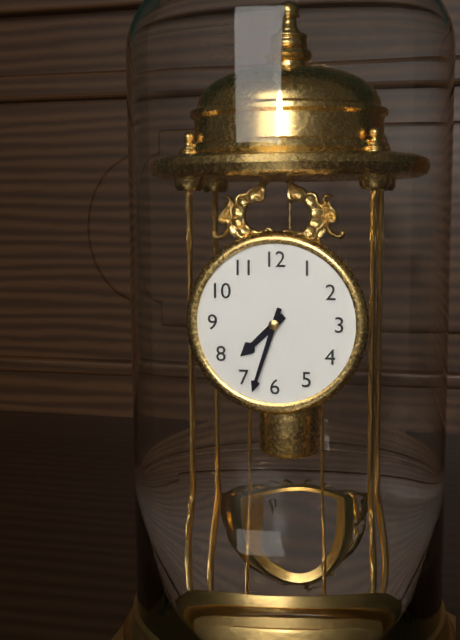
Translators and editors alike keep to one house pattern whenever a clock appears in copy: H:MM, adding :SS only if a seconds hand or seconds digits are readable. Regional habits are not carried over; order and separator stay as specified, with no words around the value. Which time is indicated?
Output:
7:33
